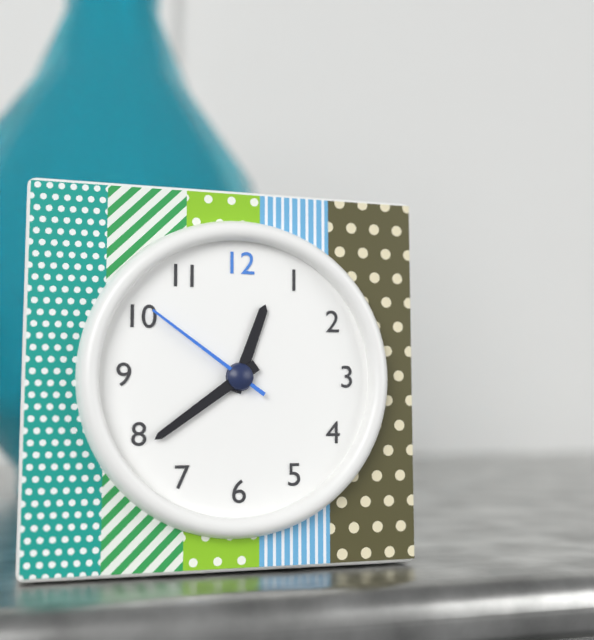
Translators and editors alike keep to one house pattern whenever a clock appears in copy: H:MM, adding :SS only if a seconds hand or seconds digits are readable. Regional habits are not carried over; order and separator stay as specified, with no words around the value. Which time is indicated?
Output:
12:39:51
